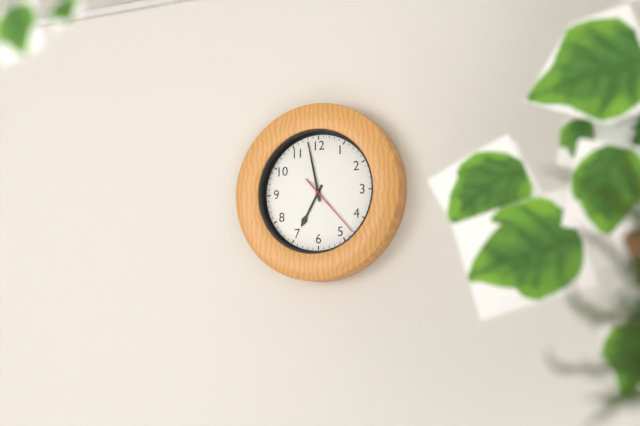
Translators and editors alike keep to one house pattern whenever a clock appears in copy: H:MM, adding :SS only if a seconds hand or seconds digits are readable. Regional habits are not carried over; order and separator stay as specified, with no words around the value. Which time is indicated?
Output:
6:58:23
